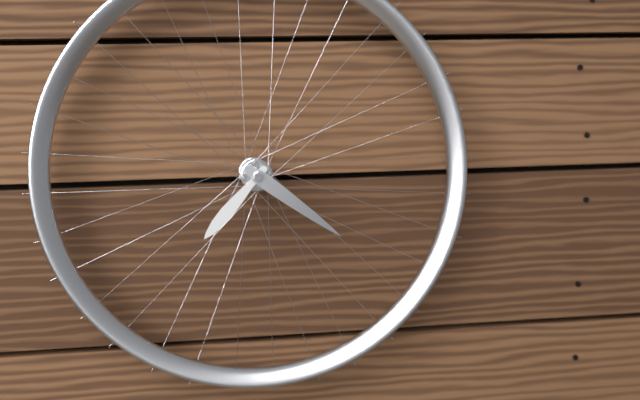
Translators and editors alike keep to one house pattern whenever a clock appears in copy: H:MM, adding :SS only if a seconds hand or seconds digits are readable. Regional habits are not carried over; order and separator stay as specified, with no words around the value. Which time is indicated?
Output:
7:21
